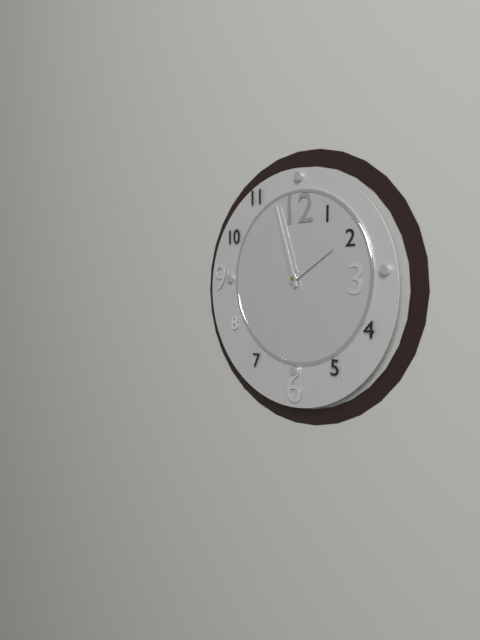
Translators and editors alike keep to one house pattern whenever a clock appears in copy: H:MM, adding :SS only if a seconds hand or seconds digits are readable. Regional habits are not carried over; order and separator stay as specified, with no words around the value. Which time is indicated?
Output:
1:57
